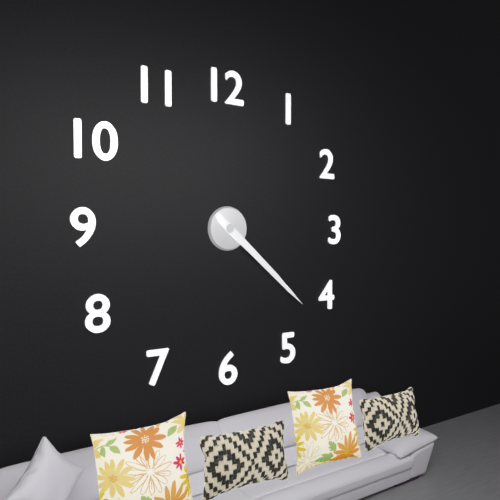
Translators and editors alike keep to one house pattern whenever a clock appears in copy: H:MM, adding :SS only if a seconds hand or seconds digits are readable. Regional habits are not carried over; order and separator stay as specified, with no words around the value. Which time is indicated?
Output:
4:22
